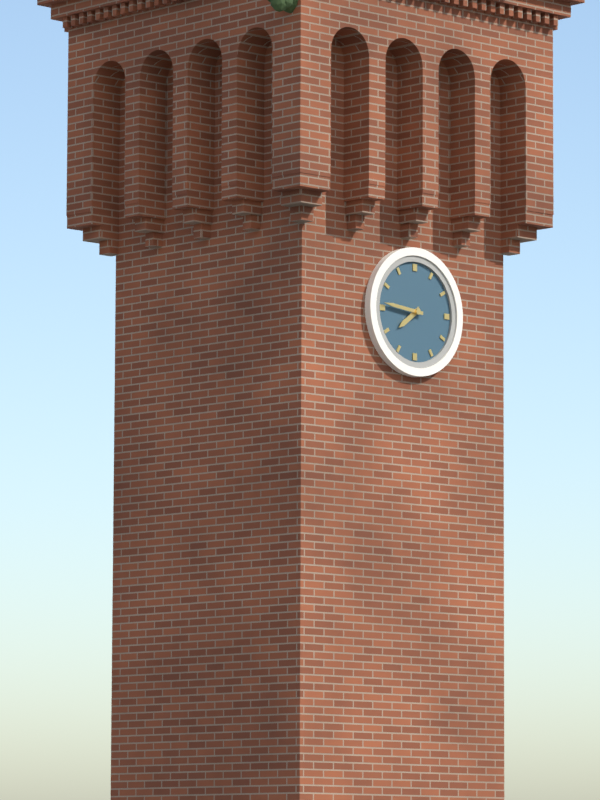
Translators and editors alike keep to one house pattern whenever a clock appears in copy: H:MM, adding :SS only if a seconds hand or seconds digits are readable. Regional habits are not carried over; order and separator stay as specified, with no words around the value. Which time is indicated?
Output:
7:46
